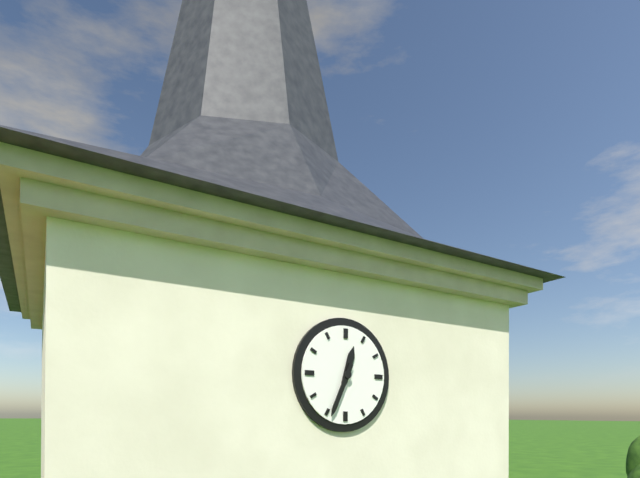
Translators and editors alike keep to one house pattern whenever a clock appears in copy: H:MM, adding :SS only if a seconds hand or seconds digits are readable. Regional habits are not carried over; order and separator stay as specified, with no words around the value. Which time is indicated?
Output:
12:34
